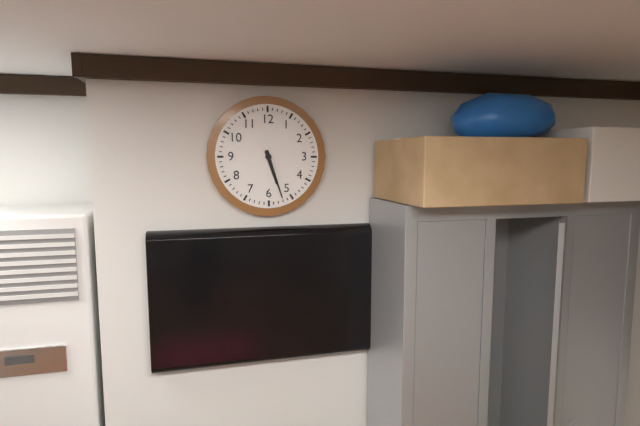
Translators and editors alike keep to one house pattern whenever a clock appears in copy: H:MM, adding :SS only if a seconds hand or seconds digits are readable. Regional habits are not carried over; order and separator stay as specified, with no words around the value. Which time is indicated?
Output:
5:27
